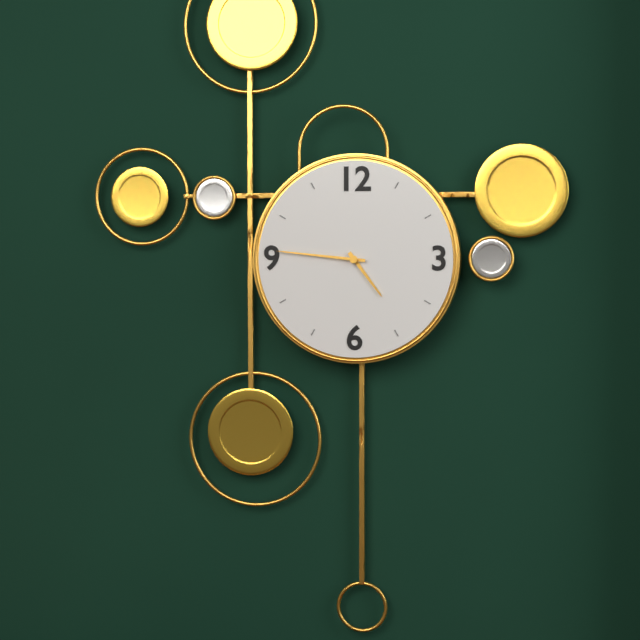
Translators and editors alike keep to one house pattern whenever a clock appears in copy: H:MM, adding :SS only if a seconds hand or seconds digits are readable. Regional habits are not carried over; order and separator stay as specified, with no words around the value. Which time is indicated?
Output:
4:46
